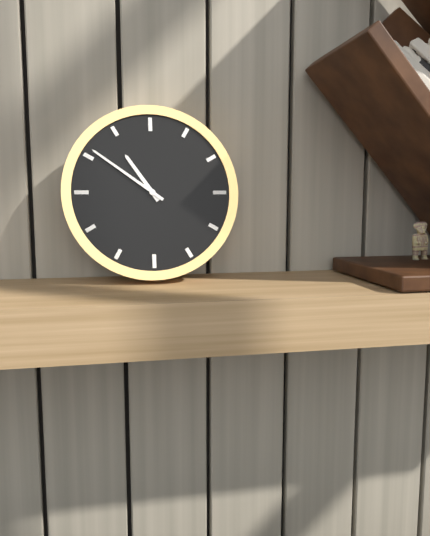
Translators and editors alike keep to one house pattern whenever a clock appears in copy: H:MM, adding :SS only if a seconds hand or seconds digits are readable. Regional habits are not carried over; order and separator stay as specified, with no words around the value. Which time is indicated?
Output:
10:51
